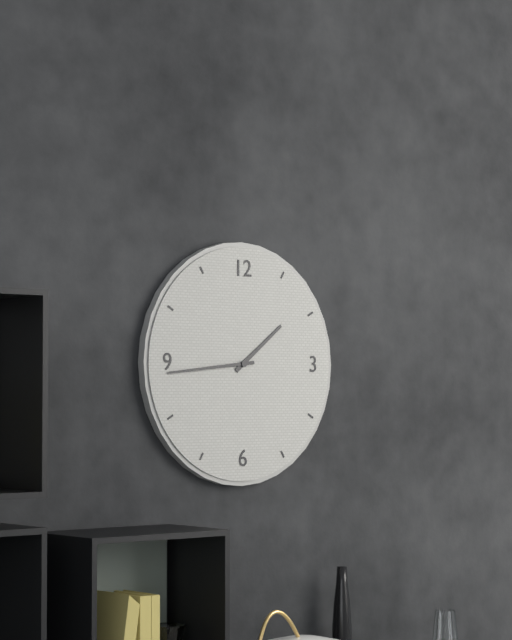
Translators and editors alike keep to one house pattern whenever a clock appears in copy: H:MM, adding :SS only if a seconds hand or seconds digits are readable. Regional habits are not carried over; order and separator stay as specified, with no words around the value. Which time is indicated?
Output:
1:44
